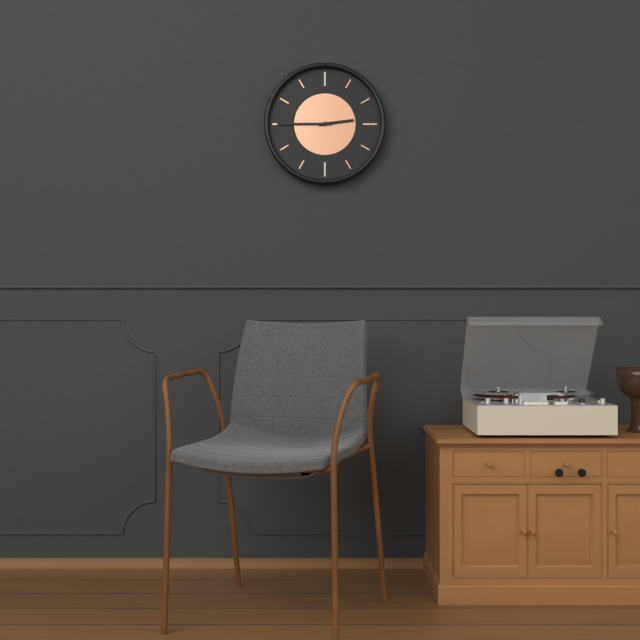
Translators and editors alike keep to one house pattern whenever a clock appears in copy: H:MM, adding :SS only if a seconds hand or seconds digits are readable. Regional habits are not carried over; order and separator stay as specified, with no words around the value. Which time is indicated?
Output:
2:45
